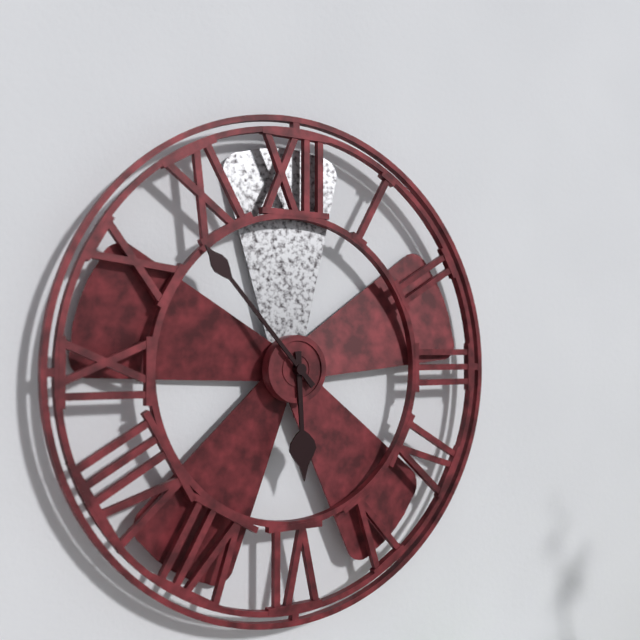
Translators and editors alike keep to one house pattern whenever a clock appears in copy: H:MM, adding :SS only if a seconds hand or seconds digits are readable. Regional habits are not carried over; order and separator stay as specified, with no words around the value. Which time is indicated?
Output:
5:53
